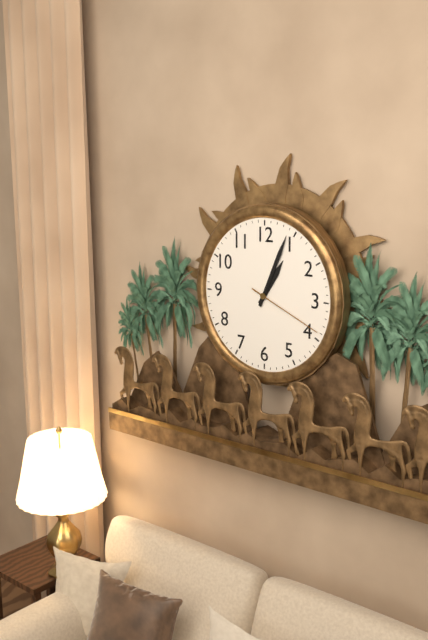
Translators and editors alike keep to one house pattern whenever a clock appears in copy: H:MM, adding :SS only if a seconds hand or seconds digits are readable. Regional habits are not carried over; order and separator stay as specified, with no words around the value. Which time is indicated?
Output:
1:04:19
